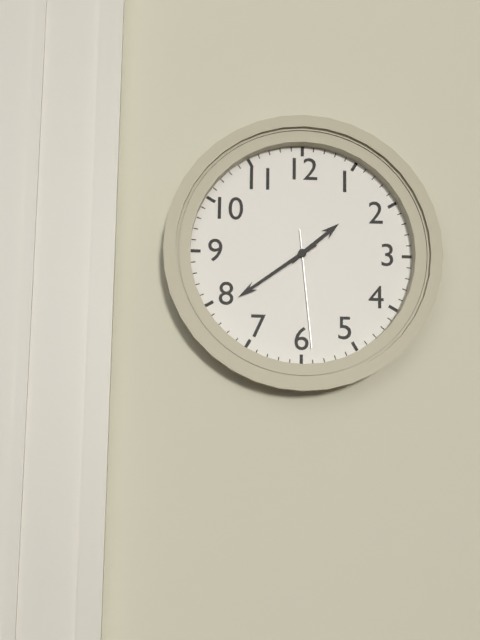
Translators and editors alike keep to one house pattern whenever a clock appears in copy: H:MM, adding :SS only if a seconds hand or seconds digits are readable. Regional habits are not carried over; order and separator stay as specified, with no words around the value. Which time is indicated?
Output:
1:39:29
